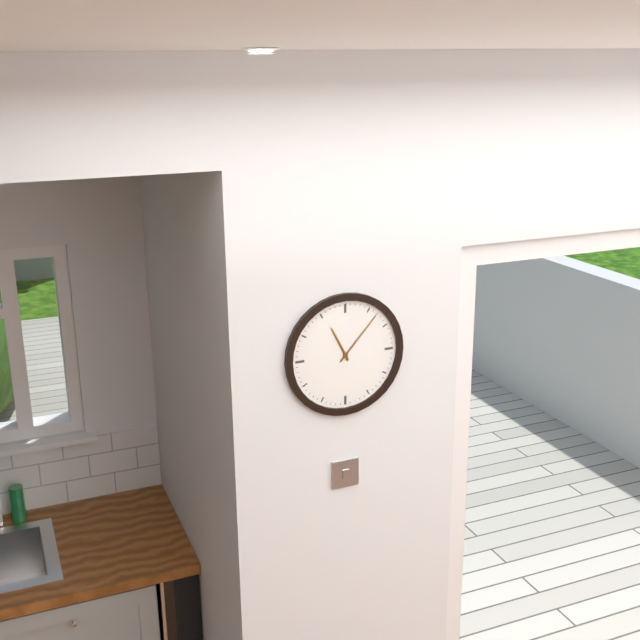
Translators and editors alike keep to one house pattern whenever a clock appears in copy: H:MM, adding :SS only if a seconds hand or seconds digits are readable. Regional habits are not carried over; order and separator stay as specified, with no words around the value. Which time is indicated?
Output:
11:07
